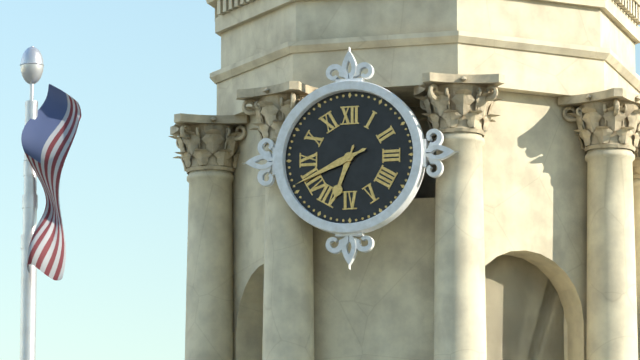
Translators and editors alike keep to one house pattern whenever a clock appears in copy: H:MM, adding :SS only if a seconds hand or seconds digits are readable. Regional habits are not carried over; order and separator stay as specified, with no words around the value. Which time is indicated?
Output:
6:41
